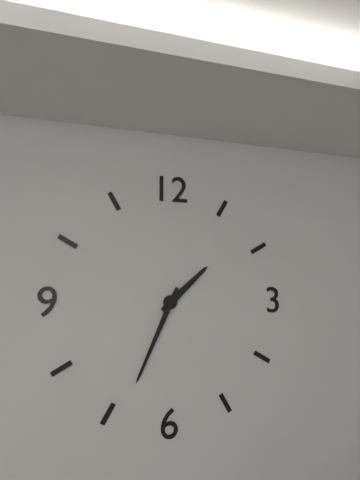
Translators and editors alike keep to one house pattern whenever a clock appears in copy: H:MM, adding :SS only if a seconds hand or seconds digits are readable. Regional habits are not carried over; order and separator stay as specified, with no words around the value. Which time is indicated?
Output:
1:34
